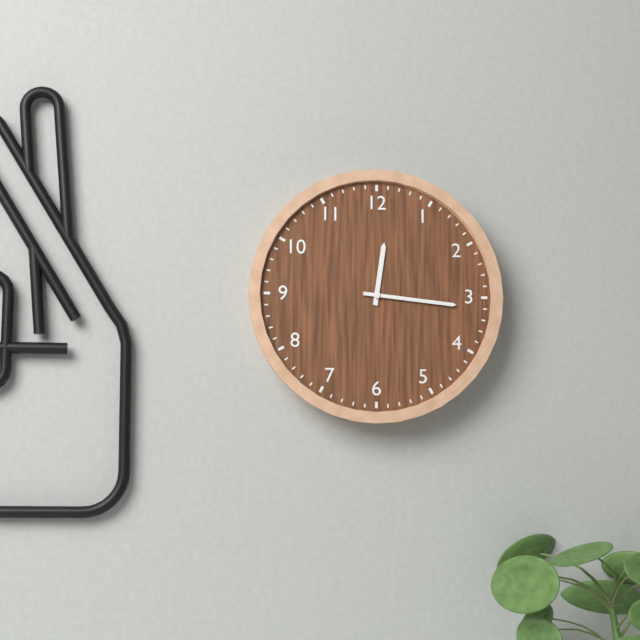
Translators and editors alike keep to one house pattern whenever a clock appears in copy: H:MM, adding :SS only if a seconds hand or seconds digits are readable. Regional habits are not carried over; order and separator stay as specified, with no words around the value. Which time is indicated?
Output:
12:16
